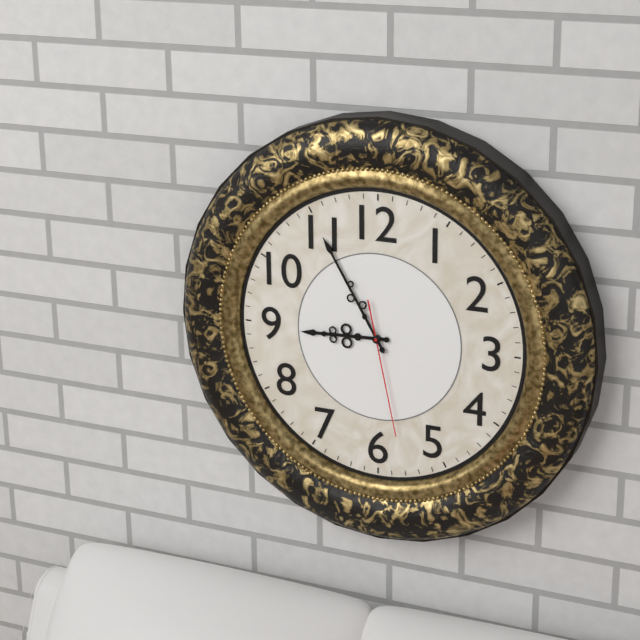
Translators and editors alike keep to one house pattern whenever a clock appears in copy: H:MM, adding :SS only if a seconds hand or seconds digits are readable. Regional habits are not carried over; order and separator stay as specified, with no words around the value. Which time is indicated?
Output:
8:55:28
